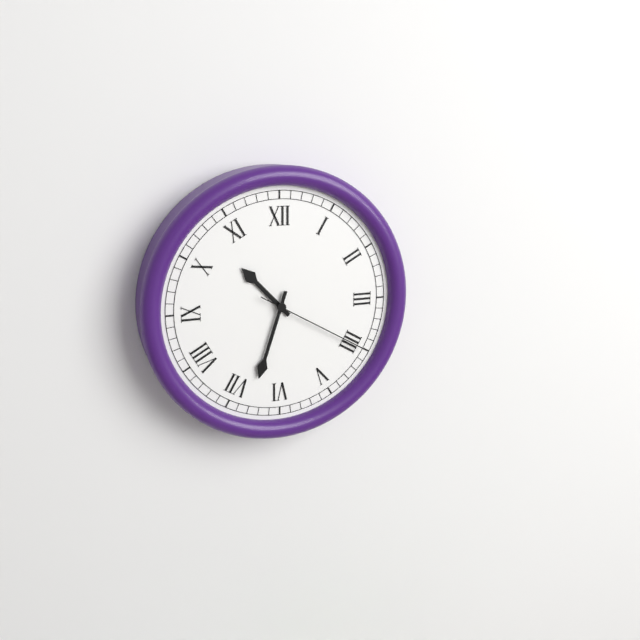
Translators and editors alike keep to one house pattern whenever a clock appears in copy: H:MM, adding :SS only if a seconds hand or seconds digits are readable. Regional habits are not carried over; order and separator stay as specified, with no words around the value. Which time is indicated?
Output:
10:33:20
